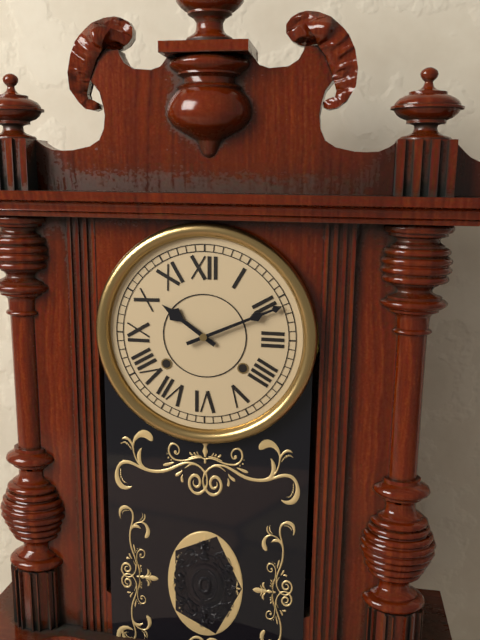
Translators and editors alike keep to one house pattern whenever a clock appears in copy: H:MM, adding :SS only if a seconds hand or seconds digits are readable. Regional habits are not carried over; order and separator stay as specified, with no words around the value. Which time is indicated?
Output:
10:11
